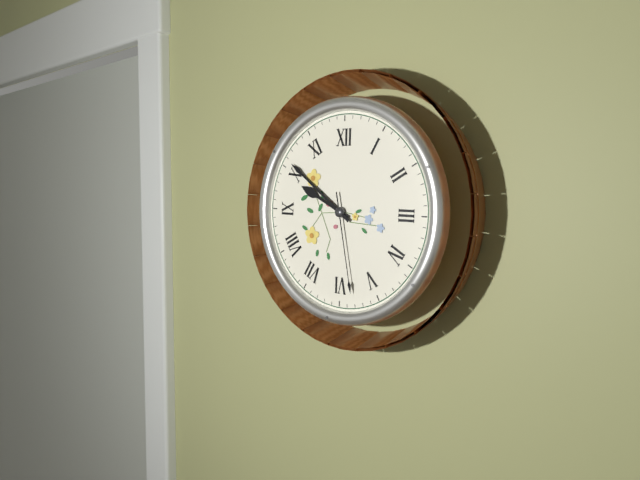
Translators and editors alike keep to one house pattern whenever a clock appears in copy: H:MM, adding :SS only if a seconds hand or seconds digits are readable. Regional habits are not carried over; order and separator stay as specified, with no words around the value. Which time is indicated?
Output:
9:51:28
